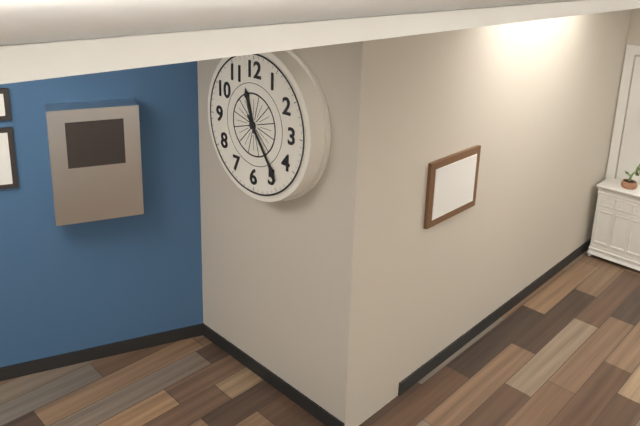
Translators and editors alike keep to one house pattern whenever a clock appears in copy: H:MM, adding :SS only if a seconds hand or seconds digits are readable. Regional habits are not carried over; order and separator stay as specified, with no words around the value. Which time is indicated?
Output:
11:24
